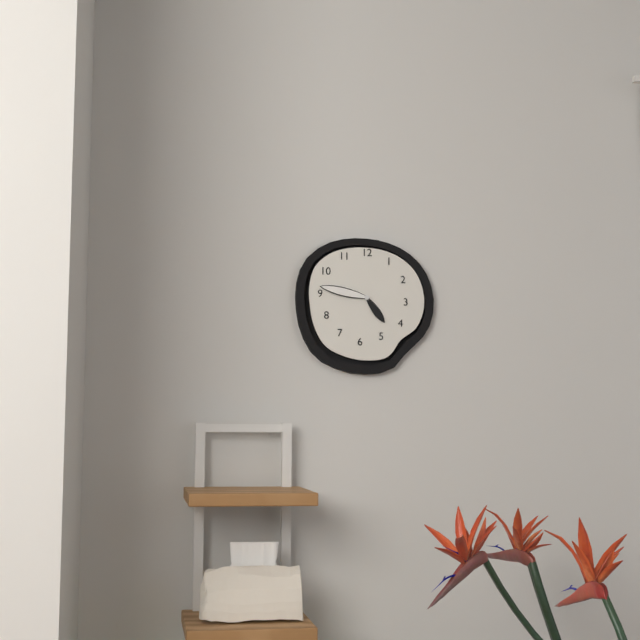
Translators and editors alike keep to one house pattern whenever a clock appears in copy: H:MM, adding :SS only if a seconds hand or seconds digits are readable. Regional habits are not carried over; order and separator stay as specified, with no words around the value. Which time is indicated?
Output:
4:47
